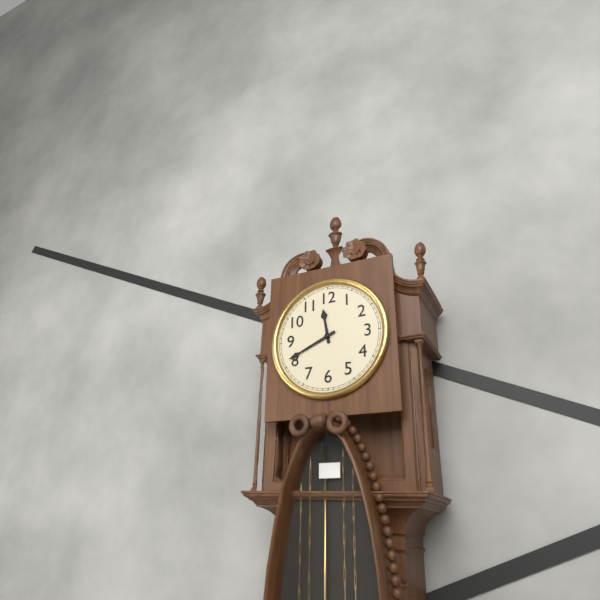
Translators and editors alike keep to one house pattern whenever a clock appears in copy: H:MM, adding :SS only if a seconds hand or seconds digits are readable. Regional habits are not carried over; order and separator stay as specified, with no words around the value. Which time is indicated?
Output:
11:41
